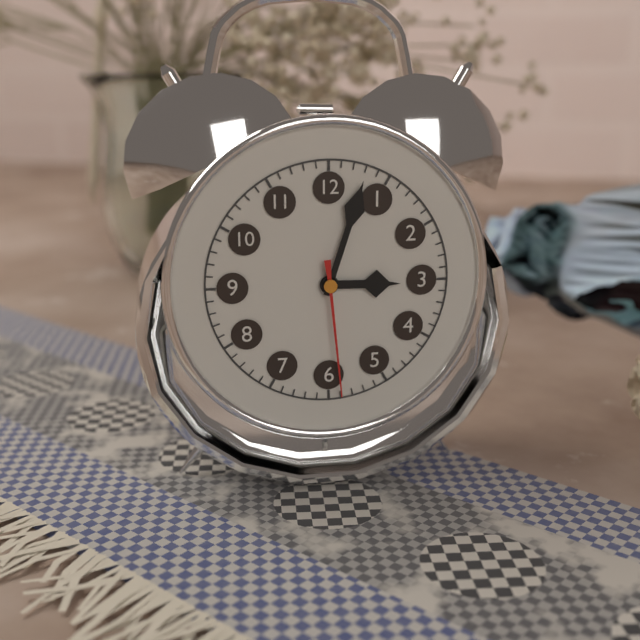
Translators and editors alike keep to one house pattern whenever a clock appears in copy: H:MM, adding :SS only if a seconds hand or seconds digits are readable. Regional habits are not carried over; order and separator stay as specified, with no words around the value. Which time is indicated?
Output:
3:03:29
